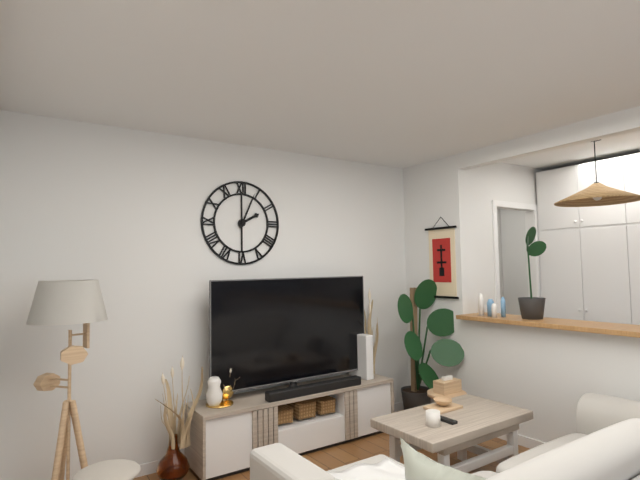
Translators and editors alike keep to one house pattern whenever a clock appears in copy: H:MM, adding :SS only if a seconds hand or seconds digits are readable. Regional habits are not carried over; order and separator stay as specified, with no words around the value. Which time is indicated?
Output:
2:04
